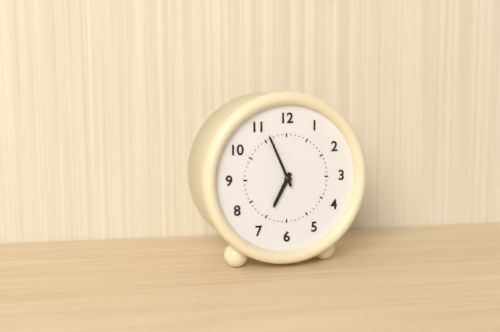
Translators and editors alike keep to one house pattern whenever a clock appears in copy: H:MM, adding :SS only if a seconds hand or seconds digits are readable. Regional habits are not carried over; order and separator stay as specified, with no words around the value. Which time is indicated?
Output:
6:56
